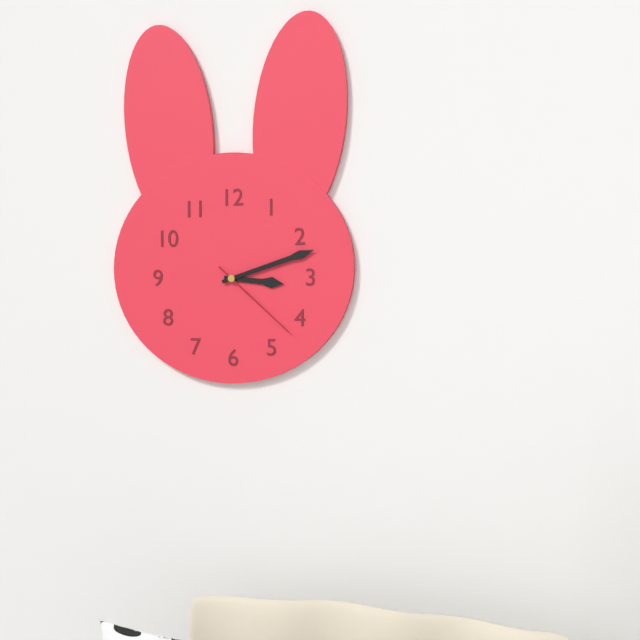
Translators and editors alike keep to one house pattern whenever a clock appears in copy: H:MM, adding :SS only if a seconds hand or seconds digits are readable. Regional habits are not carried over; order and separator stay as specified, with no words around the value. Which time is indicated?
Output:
3:12:22
